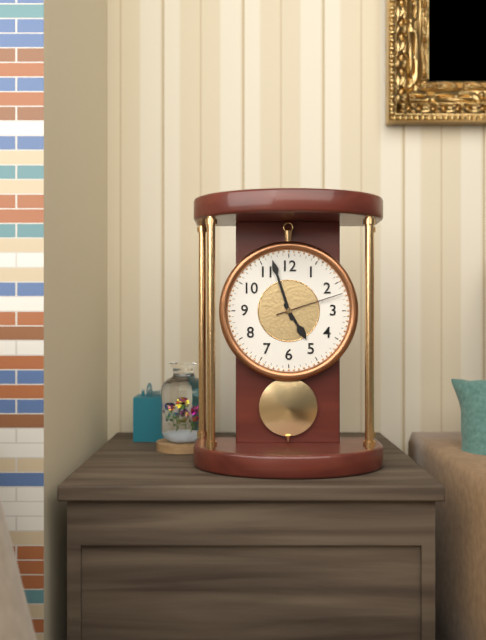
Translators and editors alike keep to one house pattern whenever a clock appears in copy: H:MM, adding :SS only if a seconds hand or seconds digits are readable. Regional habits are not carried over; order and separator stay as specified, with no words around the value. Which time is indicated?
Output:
4:57:12
